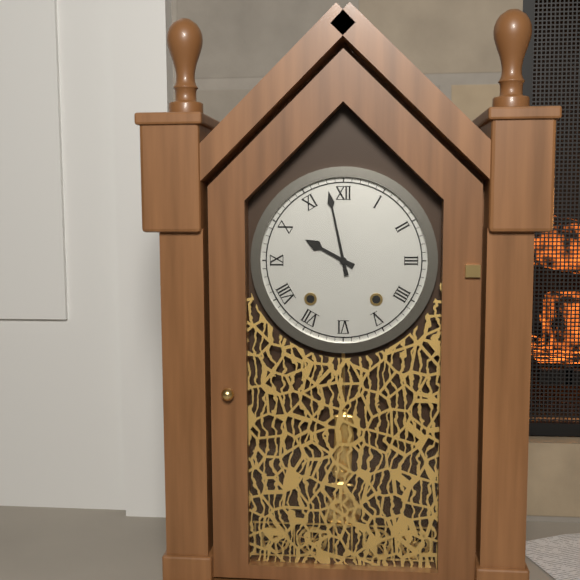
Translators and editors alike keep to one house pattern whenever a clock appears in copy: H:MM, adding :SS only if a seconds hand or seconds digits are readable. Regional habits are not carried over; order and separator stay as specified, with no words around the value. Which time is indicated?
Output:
9:58
